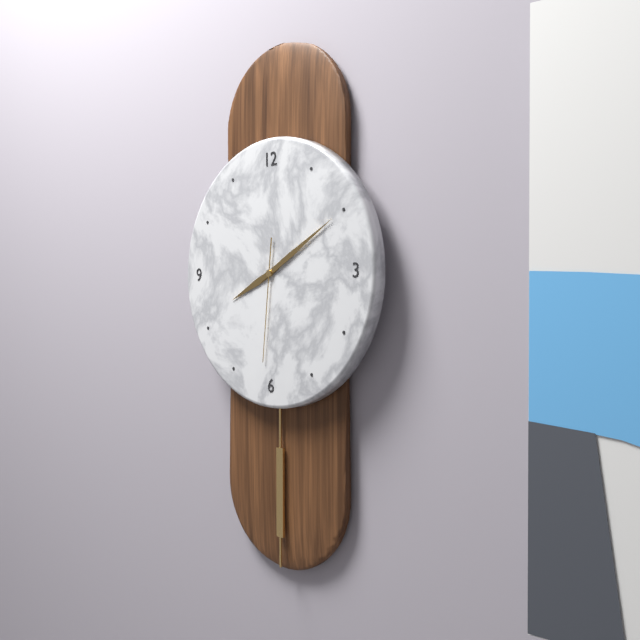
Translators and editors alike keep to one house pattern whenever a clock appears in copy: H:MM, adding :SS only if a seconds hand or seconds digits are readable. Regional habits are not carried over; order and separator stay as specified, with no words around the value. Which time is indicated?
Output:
8:10:31
